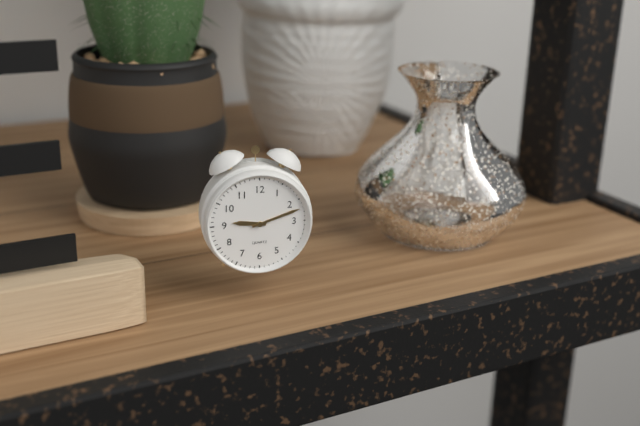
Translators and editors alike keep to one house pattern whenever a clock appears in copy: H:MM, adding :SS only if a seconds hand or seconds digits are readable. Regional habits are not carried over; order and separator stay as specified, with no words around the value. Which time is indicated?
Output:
9:12
